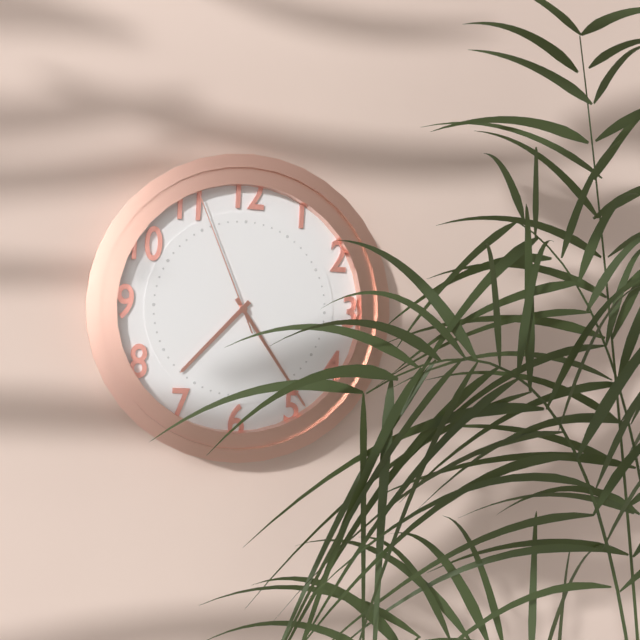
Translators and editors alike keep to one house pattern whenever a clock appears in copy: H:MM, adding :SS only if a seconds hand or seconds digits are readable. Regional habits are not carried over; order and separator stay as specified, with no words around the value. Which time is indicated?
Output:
7:24:56
